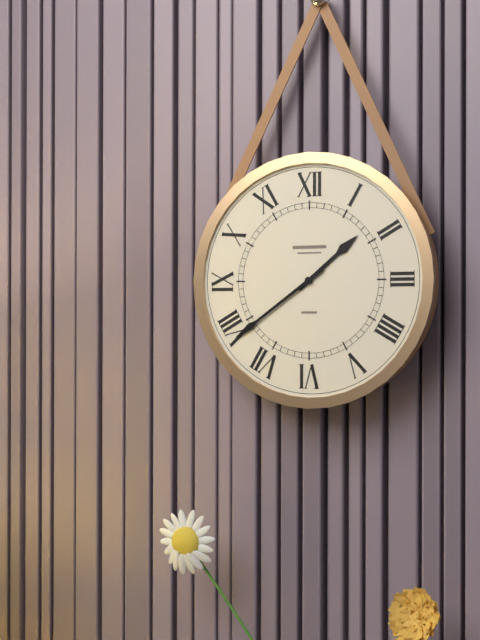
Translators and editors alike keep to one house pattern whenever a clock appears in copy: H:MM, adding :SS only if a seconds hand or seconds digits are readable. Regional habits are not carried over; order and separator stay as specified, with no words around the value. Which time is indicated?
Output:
1:39
